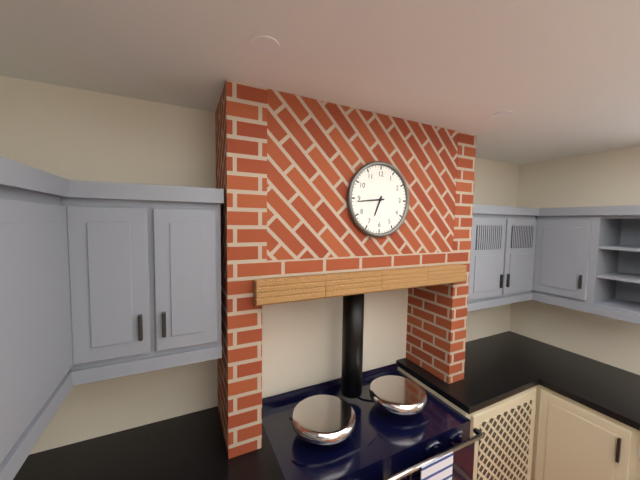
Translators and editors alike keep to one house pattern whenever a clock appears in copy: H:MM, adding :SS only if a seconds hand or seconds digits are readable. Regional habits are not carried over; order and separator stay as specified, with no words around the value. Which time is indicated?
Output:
6:44
